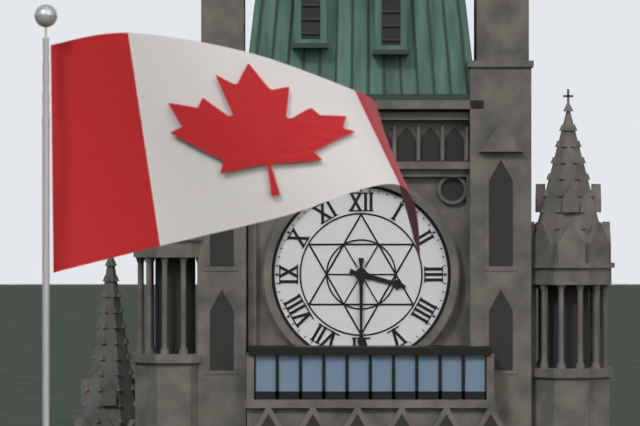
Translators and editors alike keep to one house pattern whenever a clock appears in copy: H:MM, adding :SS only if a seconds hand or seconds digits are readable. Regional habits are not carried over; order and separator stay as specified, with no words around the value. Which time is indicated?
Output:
3:30
